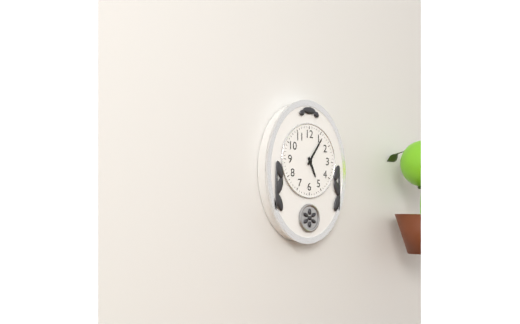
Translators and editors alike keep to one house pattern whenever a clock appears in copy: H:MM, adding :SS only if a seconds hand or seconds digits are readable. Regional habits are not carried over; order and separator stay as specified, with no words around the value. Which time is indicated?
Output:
5:06
